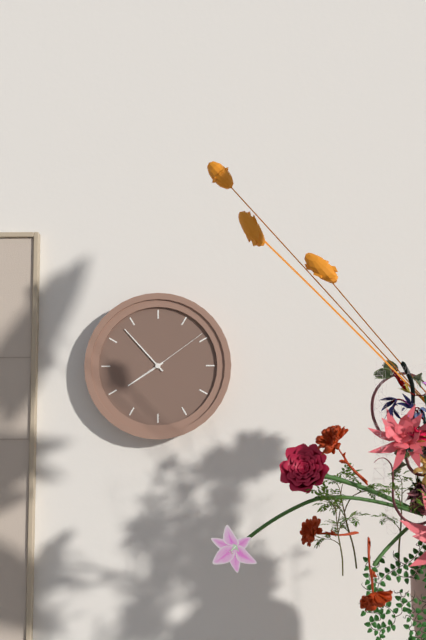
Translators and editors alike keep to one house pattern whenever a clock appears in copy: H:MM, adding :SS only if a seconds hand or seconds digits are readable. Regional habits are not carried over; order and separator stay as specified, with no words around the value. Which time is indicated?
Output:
7:53:09
